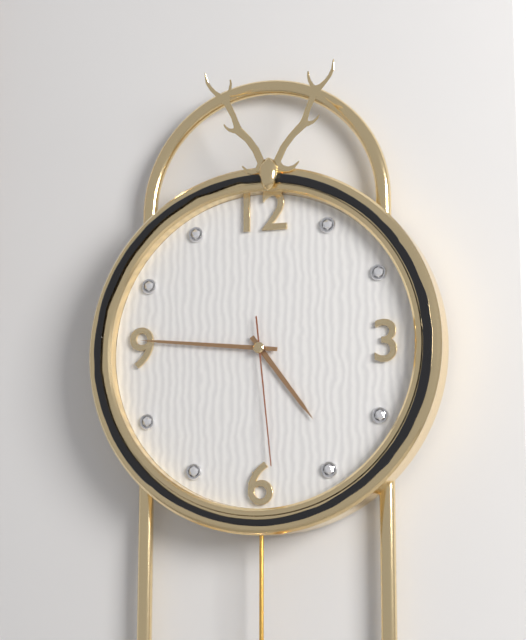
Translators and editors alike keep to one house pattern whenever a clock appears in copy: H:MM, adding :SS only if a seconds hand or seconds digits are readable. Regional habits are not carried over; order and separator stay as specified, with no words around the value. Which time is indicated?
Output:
4:46:29
